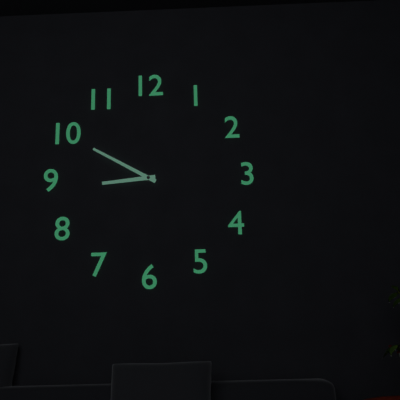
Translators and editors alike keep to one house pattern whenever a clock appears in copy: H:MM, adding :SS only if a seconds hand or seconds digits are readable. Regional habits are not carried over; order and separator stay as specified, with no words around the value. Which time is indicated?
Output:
8:50
